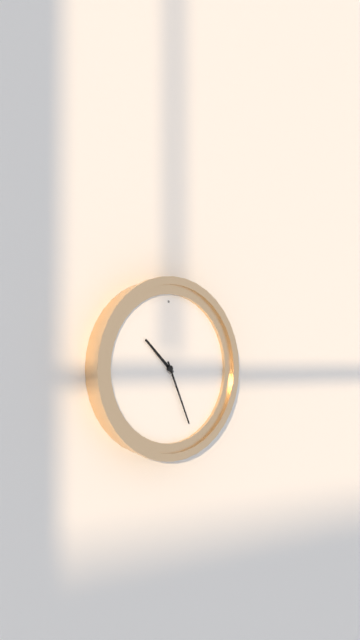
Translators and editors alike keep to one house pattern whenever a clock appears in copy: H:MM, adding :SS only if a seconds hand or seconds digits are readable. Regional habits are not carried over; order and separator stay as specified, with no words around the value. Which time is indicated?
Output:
10:26
